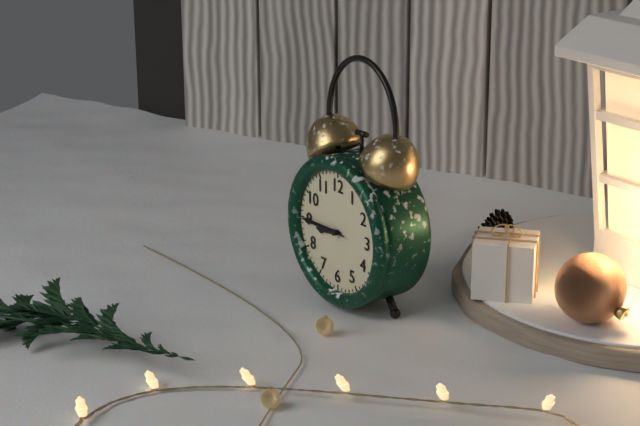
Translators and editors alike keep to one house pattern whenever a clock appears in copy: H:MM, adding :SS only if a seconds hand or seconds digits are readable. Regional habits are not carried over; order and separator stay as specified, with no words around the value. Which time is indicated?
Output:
8:45:45
